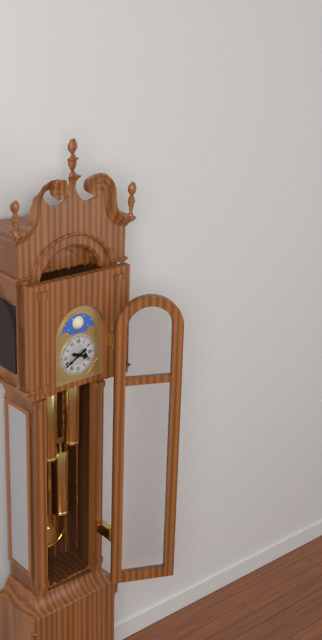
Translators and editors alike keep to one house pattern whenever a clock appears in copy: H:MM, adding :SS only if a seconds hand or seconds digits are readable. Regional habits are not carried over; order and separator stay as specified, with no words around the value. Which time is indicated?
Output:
3:40
